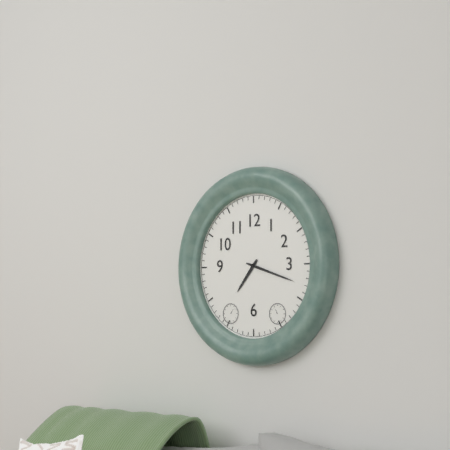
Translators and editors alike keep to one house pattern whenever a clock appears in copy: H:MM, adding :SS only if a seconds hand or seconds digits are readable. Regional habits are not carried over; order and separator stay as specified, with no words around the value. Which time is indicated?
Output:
7:18
